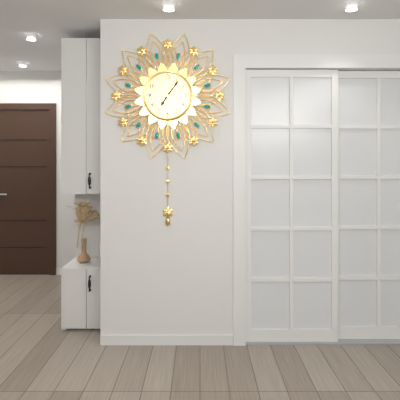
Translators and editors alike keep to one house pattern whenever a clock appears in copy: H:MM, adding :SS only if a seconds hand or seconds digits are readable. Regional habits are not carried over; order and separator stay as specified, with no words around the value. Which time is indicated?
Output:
7:06
